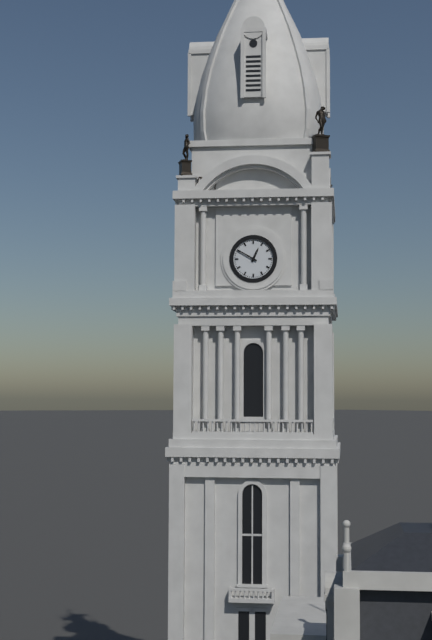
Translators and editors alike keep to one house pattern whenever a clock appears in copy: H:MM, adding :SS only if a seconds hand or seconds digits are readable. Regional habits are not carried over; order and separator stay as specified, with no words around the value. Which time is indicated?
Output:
12:50
